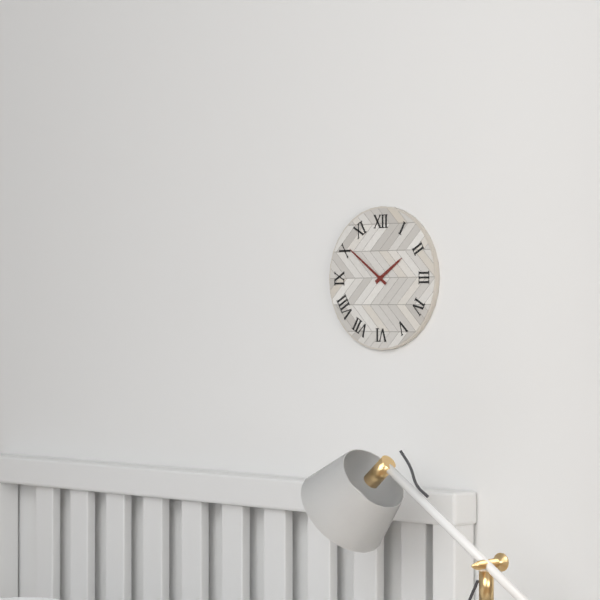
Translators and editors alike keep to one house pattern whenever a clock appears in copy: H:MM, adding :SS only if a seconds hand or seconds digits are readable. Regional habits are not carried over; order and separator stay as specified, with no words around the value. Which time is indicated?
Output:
1:51
